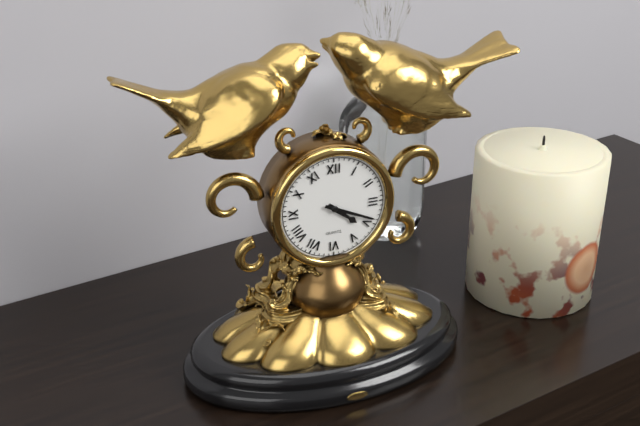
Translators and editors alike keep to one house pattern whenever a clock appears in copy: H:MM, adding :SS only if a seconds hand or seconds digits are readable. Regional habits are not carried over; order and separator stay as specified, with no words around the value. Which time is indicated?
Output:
4:19
